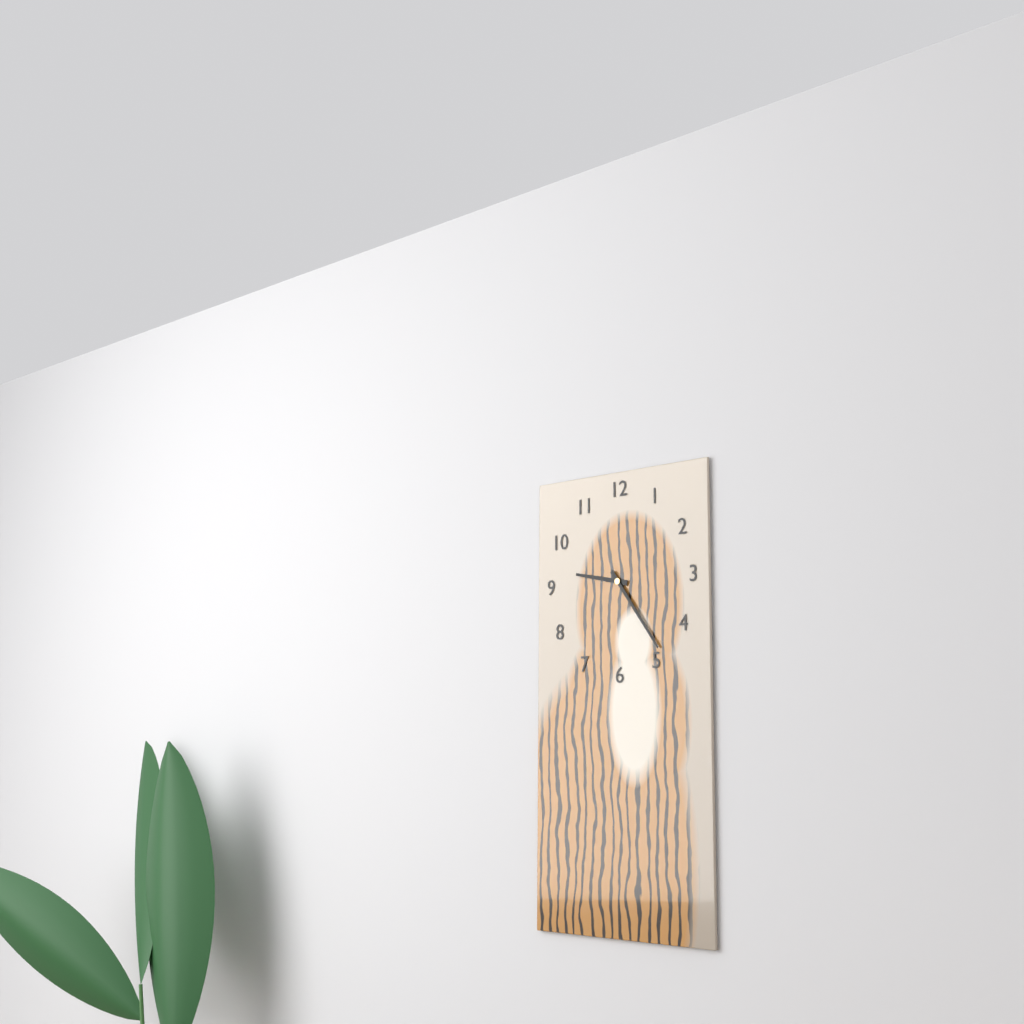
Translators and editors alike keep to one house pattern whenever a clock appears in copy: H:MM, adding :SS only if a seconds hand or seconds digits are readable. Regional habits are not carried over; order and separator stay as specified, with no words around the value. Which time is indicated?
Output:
9:24
